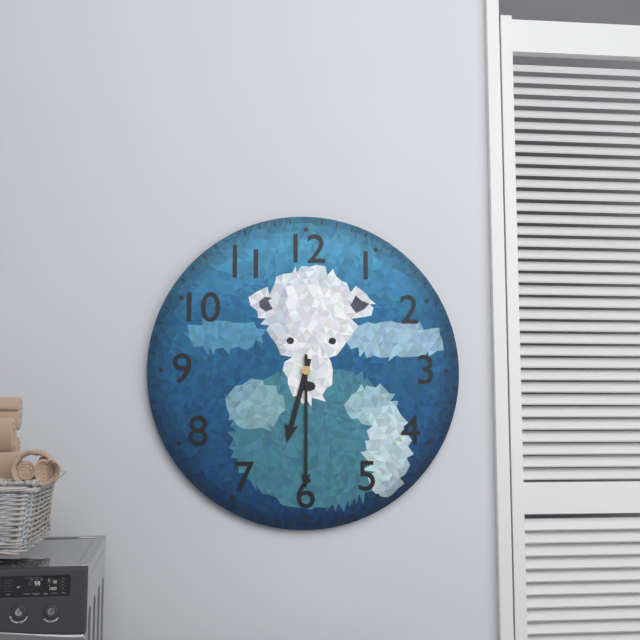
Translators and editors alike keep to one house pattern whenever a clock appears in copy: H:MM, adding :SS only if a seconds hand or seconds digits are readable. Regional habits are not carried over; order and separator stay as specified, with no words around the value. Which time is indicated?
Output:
6:30
